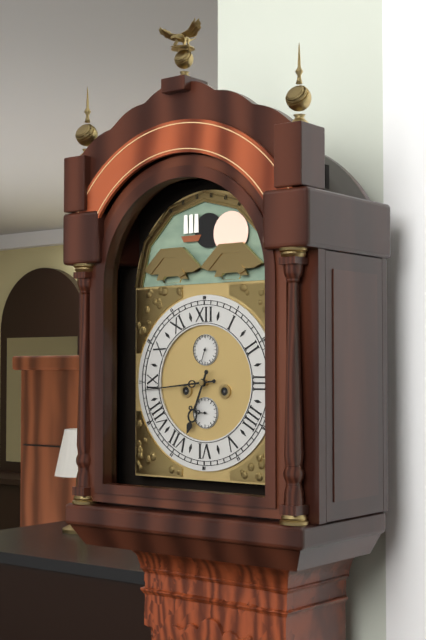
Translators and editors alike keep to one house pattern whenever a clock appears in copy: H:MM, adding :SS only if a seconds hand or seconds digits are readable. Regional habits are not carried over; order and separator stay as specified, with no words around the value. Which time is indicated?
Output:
6:44
